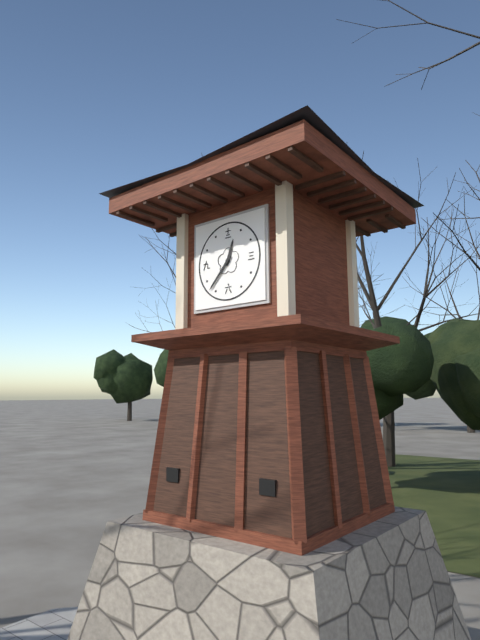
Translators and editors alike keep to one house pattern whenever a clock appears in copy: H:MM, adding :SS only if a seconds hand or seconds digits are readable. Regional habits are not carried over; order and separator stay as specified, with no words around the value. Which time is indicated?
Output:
12:37
